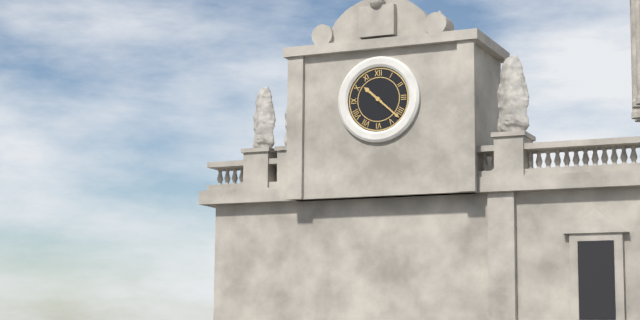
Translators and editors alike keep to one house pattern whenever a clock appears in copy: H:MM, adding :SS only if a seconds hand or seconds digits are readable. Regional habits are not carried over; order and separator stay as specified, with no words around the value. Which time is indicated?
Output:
10:22
